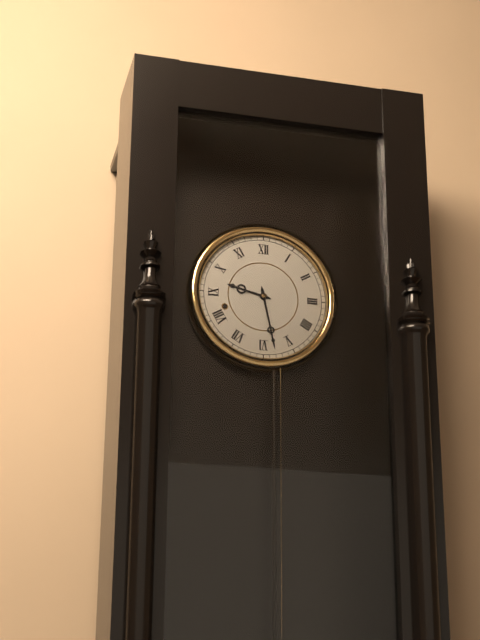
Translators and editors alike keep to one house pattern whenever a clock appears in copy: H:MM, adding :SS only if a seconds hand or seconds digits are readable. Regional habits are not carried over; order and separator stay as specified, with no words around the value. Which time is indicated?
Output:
9:28
